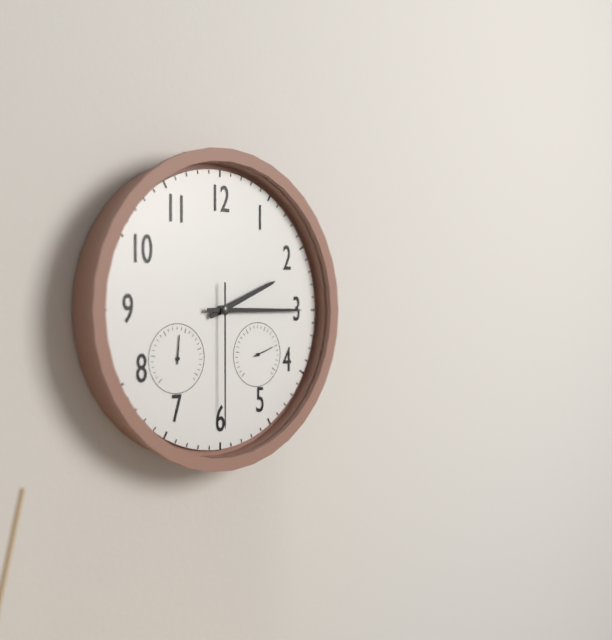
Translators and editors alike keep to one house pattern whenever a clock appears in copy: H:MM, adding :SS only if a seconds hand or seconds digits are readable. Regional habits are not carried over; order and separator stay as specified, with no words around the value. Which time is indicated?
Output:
2:15:30
